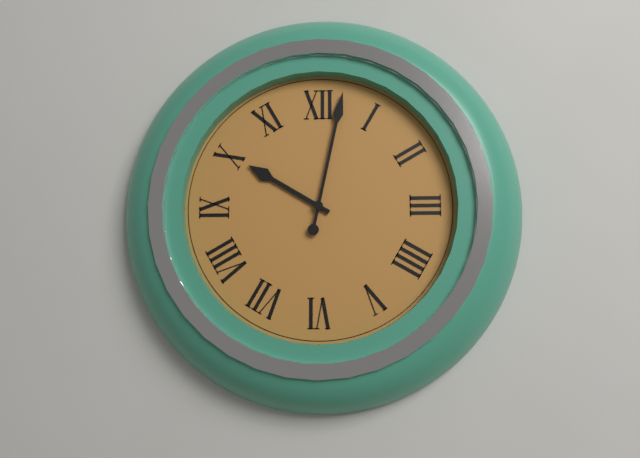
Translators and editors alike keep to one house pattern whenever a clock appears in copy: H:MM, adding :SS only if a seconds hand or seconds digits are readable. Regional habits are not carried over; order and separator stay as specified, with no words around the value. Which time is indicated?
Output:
10:02
